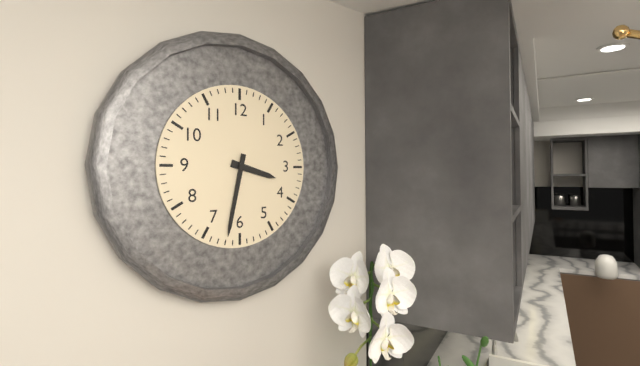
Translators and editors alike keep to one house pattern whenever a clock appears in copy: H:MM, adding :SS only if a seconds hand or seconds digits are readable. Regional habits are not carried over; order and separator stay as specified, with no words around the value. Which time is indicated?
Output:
3:32
